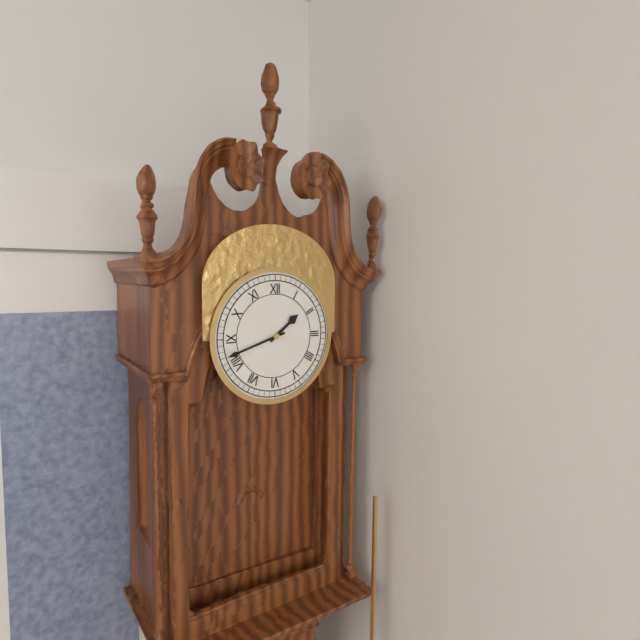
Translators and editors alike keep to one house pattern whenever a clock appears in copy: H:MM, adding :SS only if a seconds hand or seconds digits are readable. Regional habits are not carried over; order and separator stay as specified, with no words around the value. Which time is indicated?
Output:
1:42
